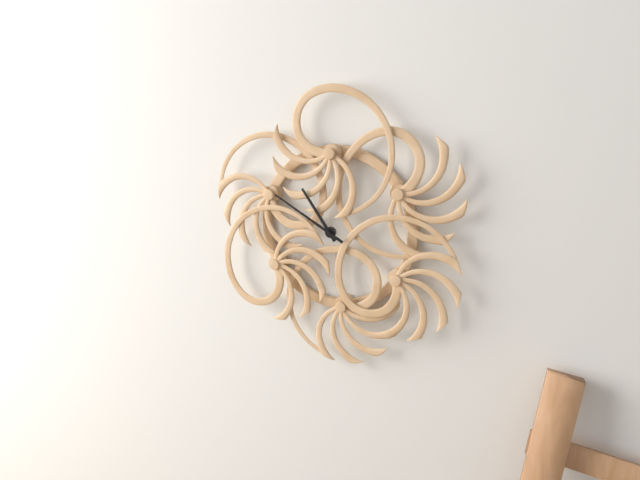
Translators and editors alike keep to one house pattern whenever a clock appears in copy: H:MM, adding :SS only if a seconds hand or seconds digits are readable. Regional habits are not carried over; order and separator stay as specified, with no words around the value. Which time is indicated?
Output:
10:50
